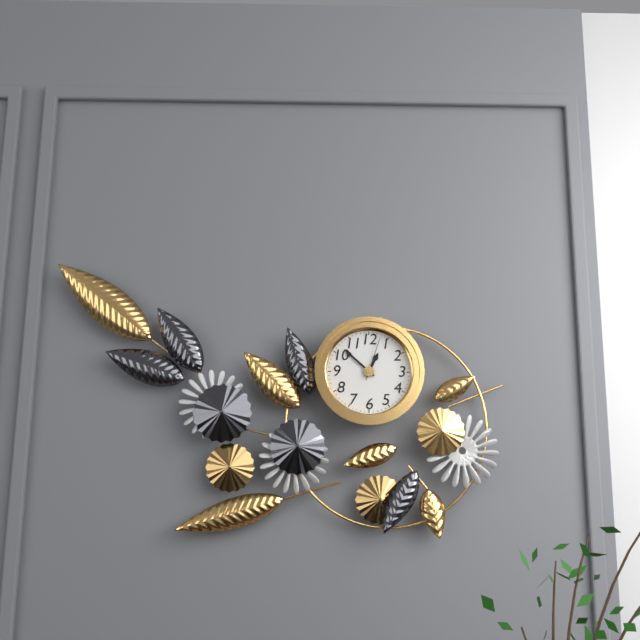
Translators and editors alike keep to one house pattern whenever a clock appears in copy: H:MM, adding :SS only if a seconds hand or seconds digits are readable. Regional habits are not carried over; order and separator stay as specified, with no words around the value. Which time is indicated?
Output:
12:52
